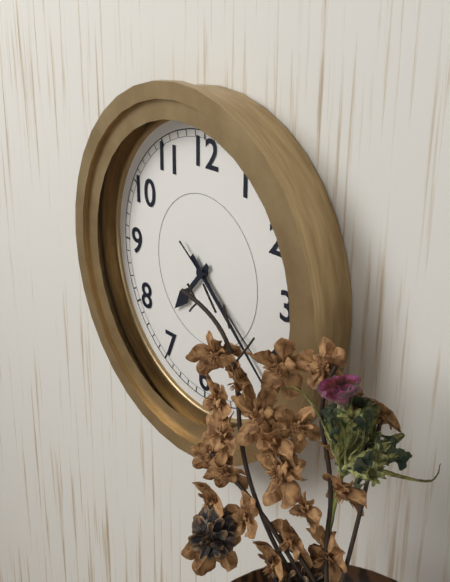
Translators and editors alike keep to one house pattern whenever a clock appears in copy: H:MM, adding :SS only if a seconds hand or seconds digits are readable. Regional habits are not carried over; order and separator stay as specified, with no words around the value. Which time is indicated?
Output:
7:22:21
